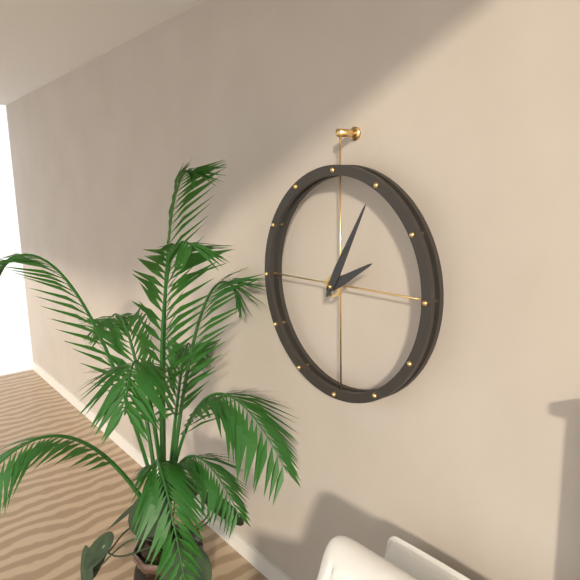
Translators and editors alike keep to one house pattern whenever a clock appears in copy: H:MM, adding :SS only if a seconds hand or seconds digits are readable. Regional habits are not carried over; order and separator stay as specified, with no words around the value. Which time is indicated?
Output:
2:05
